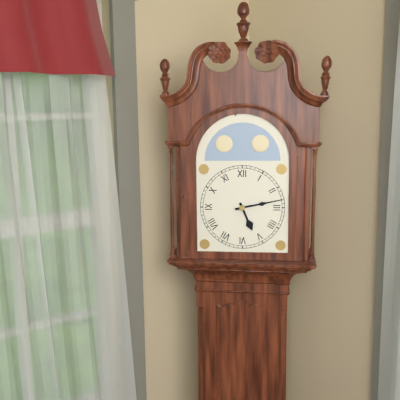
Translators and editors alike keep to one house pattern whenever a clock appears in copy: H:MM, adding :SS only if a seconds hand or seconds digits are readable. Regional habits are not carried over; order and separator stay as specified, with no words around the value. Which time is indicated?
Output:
5:13
